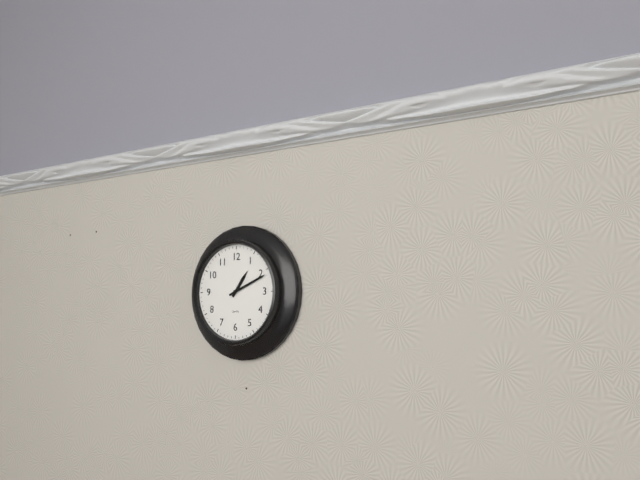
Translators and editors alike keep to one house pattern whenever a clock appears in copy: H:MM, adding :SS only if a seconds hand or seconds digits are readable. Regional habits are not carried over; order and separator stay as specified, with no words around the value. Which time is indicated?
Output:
1:11
